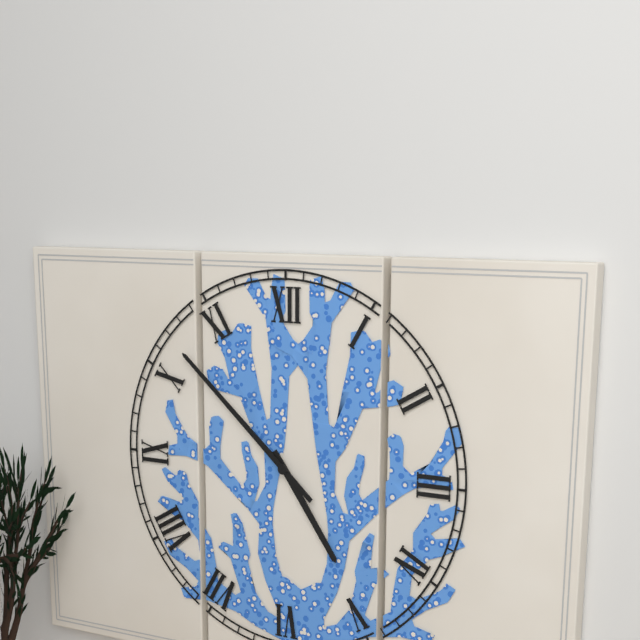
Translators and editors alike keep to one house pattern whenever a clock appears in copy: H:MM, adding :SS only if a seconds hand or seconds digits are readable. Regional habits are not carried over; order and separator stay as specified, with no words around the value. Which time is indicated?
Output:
4:52
